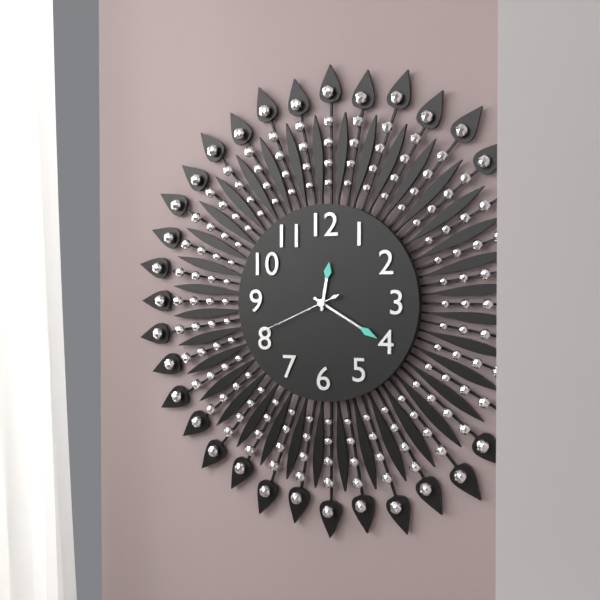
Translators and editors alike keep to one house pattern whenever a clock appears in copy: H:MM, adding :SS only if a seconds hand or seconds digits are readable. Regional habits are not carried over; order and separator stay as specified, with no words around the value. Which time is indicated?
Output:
12:20:41
